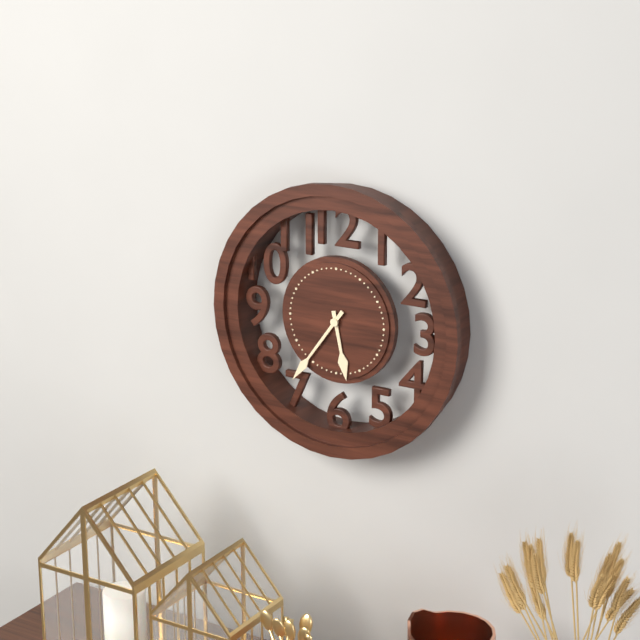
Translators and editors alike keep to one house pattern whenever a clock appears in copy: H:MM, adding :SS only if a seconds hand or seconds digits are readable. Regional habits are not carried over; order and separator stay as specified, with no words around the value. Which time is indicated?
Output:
5:36
